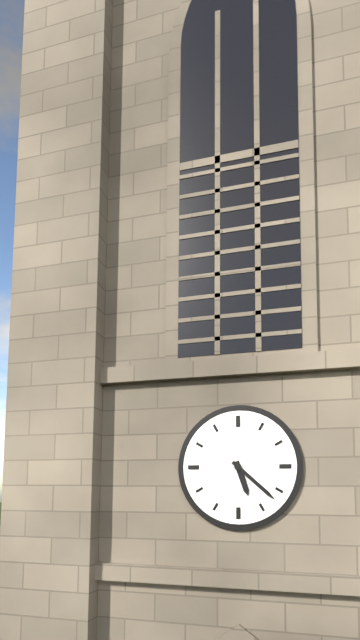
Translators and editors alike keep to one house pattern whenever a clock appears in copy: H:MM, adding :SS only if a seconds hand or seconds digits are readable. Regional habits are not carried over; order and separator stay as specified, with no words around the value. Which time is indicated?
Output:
5:22
